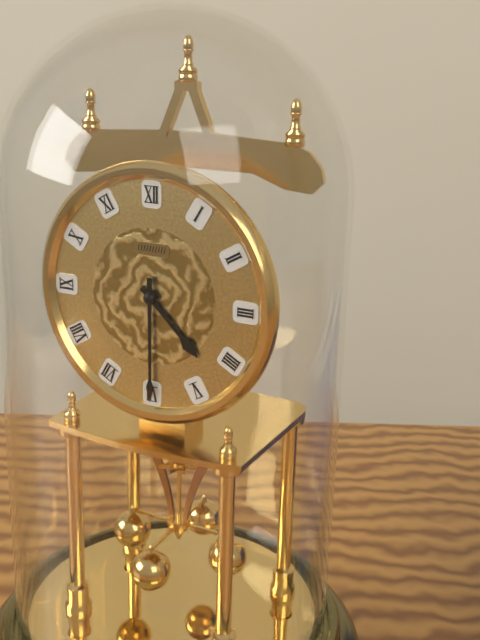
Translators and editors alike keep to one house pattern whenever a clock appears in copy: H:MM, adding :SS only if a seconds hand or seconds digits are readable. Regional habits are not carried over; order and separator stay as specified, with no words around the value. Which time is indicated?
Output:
4:30
